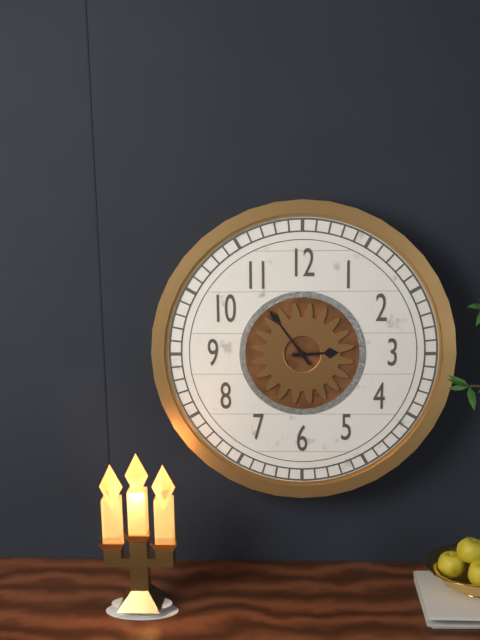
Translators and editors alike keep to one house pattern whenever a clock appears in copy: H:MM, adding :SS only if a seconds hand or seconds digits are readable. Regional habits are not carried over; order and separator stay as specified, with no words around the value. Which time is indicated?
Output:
2:54
